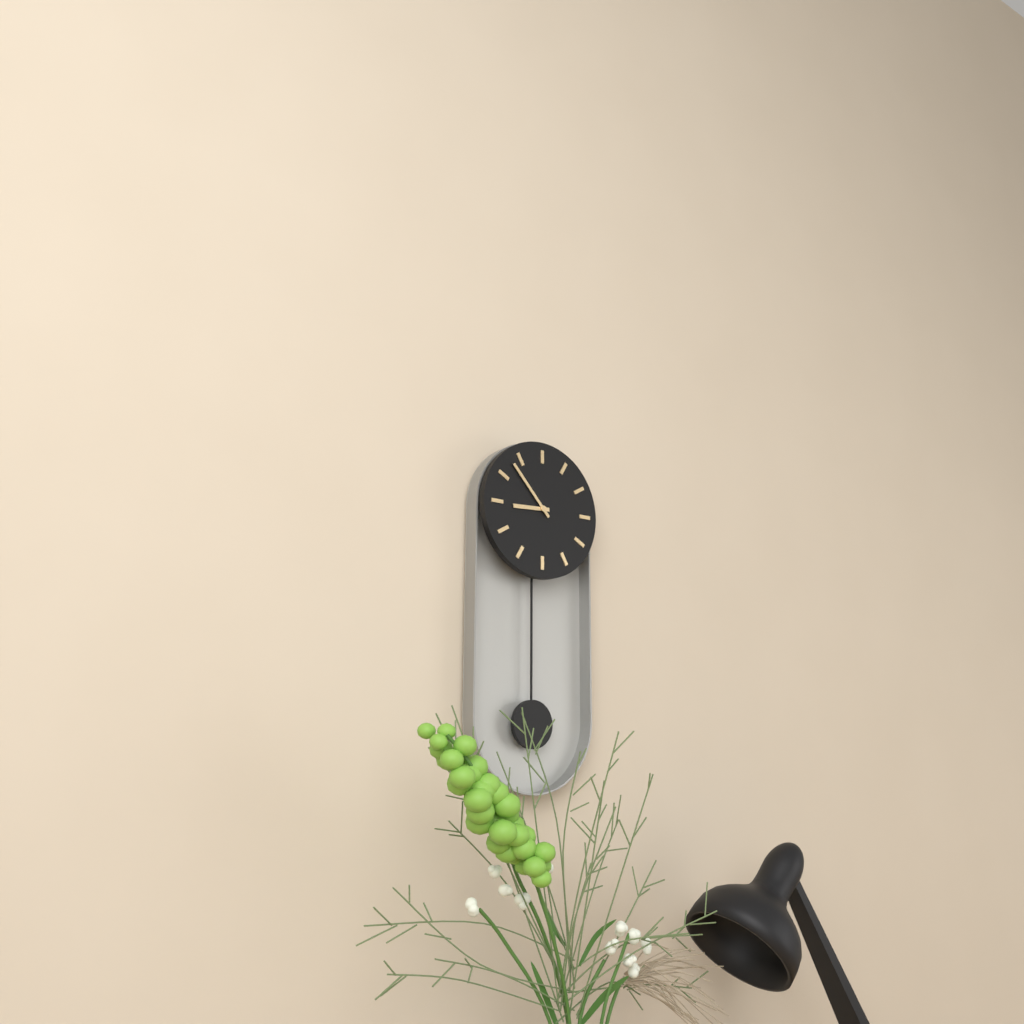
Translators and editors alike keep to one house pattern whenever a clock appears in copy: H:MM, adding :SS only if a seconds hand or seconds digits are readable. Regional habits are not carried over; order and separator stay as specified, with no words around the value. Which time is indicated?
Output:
8:53
